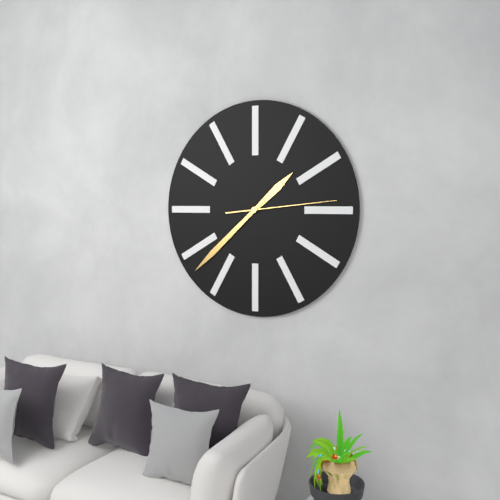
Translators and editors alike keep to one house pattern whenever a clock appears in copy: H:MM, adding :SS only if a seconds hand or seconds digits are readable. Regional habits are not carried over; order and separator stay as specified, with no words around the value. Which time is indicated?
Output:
1:38:14
